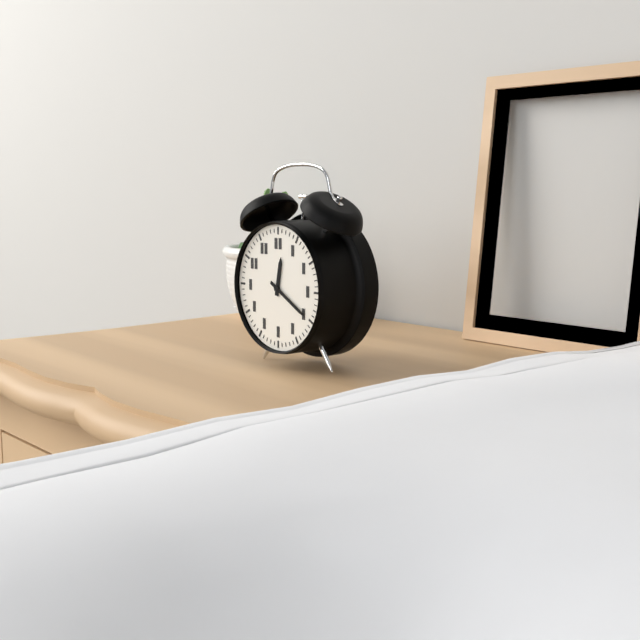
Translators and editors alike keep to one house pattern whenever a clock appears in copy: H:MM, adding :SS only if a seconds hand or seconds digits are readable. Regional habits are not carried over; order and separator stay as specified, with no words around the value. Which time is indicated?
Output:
12:20
